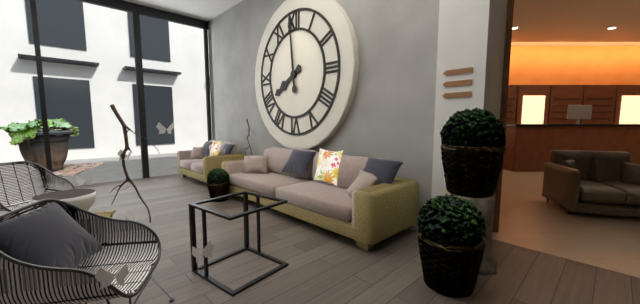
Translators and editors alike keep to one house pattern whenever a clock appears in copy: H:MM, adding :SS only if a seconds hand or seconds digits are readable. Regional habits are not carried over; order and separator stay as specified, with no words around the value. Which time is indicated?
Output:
7:59
